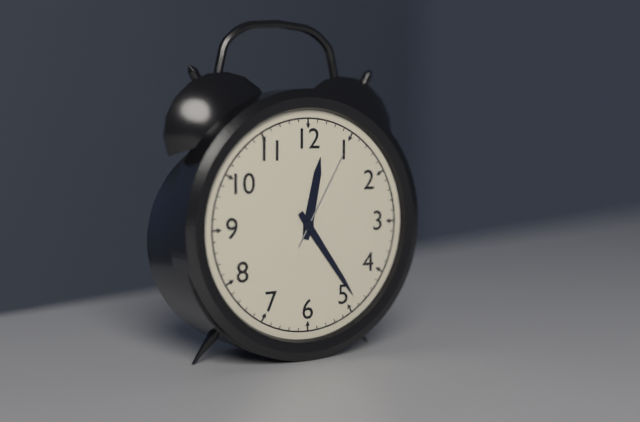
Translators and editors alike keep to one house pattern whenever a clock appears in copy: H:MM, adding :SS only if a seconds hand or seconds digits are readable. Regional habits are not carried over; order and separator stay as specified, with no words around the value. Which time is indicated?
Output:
12:24:05
